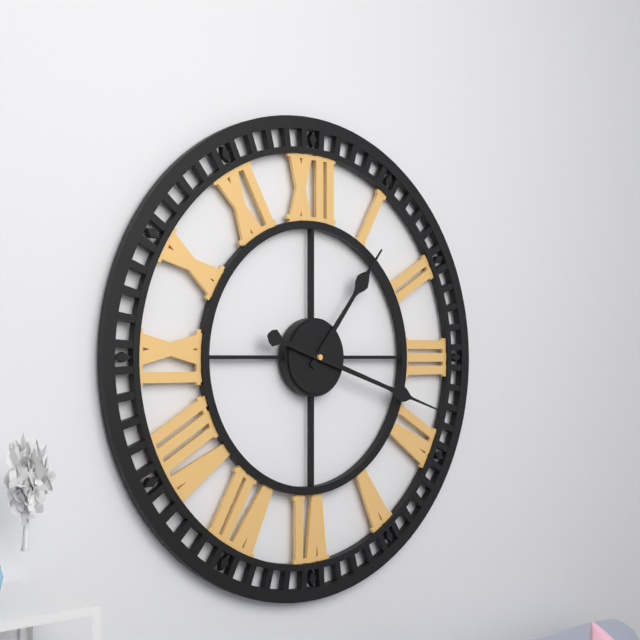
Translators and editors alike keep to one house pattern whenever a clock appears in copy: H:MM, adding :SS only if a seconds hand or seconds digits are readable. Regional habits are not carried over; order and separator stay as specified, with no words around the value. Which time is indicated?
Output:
1:18
